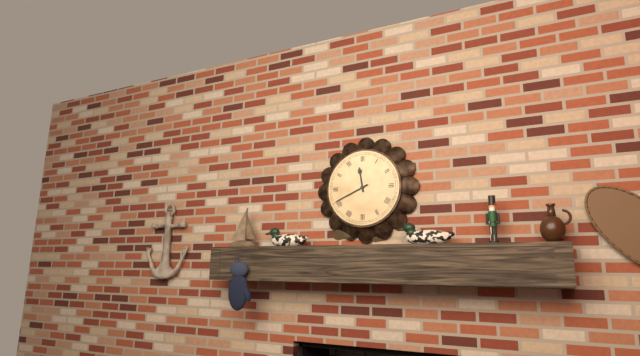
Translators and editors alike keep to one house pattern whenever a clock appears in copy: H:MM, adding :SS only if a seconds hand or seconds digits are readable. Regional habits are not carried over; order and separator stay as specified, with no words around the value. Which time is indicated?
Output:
11:41
